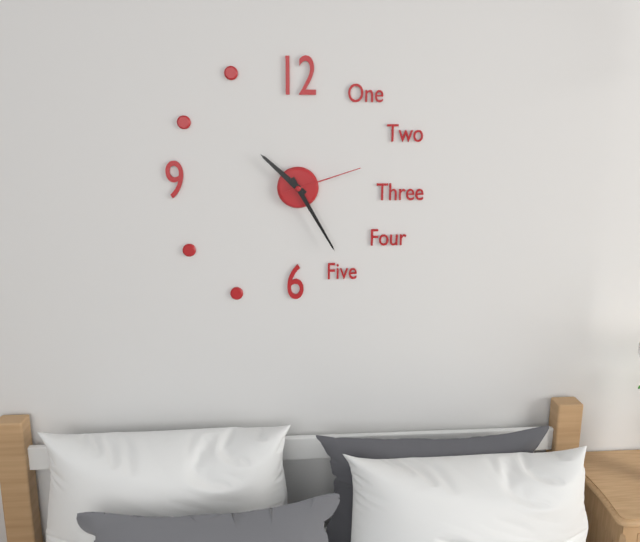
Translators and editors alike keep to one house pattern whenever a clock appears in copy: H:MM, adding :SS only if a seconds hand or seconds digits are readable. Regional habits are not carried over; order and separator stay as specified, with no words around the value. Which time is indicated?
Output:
10:25:12
